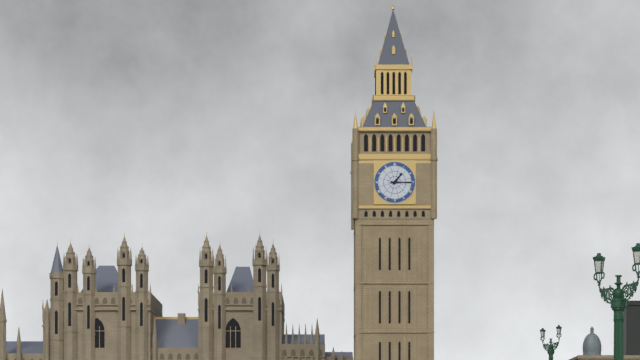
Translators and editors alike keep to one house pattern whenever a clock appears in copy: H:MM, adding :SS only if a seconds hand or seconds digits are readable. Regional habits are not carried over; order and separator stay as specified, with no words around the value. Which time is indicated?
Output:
1:15
